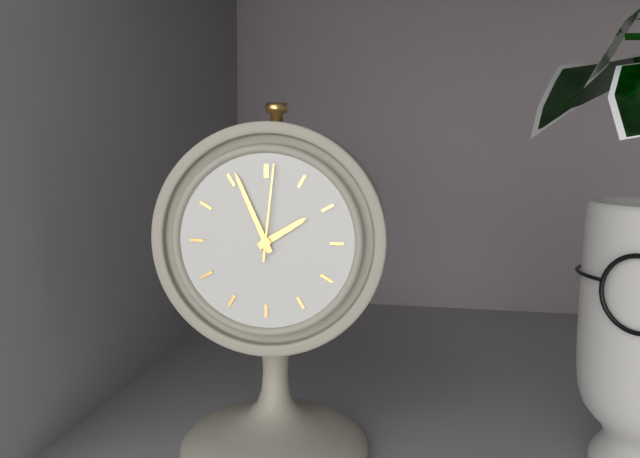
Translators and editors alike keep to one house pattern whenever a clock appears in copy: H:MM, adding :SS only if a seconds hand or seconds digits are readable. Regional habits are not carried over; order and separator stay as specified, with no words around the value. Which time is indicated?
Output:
1:56:01
